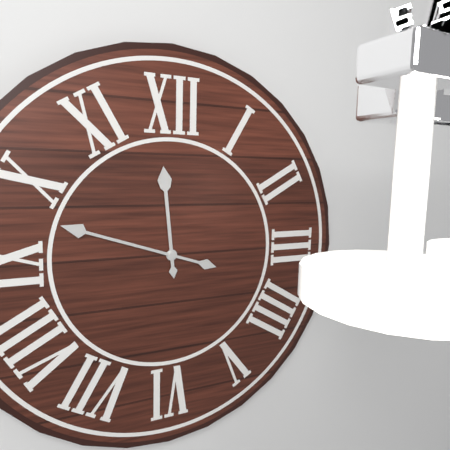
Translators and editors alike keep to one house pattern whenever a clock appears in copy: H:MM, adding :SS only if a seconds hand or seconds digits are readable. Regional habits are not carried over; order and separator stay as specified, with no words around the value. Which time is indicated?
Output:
11:48
